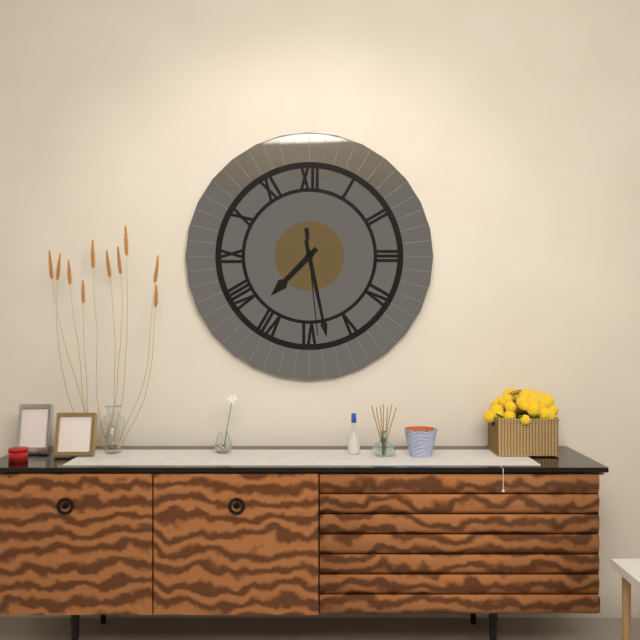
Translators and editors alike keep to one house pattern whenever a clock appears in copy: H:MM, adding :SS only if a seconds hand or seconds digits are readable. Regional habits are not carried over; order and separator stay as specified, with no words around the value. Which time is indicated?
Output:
7:28:29
